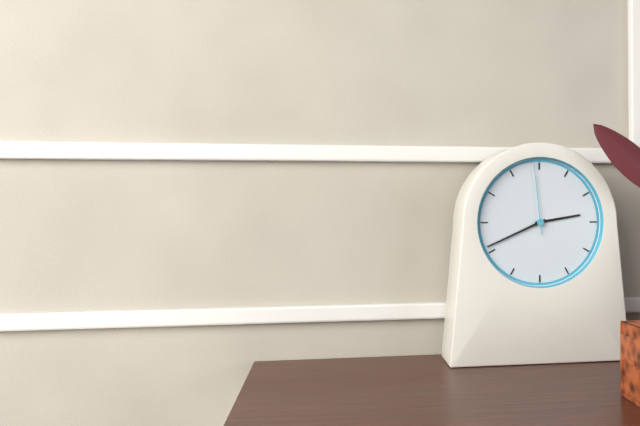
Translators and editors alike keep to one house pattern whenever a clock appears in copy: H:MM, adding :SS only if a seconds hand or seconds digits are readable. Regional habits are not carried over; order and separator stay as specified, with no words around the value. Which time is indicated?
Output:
2:41:59
